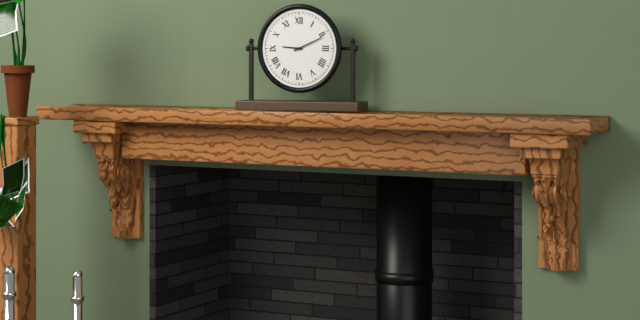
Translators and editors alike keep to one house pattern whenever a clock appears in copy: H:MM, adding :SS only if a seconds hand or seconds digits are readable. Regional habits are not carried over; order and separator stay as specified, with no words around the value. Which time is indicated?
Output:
9:11
